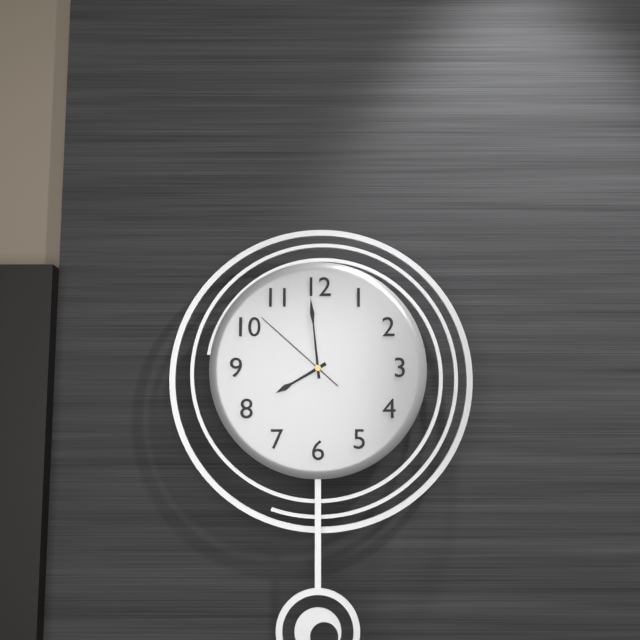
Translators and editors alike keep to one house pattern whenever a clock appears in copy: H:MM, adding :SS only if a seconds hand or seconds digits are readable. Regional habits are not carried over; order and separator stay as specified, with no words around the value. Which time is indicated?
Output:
7:59:52
